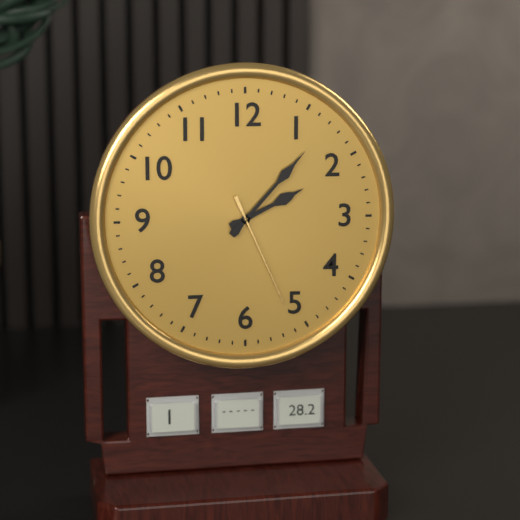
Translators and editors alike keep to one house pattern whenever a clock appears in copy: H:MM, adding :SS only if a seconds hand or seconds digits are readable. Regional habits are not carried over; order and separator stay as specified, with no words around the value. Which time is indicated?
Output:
2:07:26
